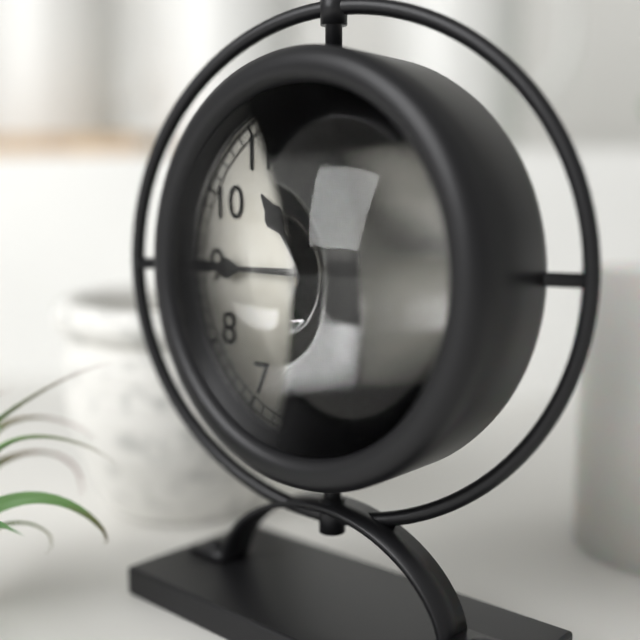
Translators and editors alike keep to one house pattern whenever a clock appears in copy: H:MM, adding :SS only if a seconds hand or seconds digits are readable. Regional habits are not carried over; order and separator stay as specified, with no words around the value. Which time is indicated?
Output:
10:45
